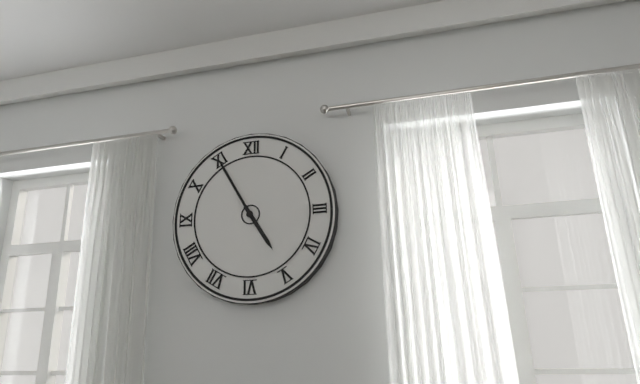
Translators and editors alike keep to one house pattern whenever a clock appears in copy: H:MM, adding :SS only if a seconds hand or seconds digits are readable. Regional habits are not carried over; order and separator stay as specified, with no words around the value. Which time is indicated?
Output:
4:55
